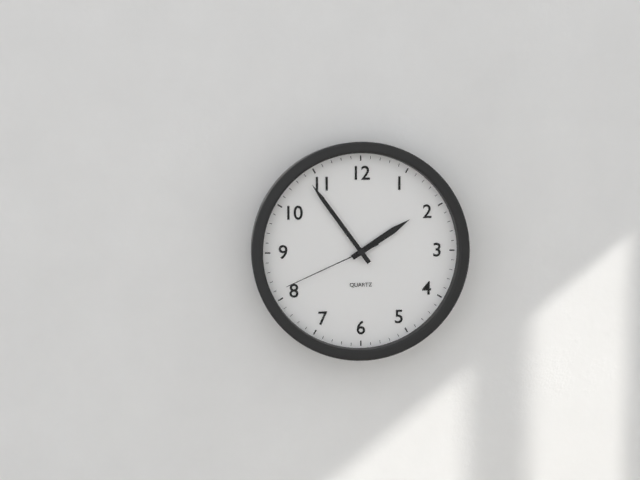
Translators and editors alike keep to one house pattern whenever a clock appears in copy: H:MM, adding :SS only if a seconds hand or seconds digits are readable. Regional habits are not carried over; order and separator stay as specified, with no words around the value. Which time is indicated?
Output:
1:54:41
